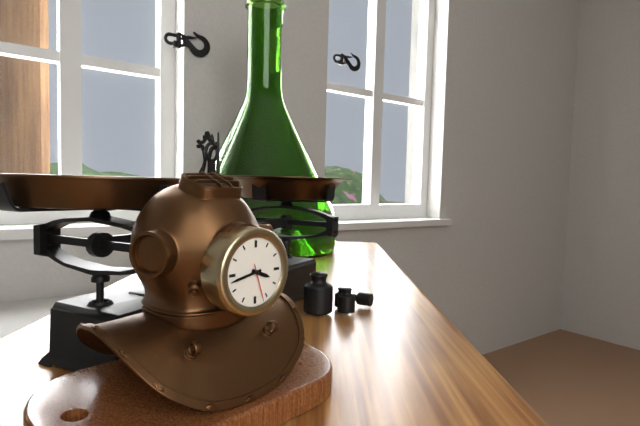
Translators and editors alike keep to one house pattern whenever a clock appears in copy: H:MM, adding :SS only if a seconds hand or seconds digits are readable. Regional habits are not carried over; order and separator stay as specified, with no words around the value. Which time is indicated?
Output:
3:43
